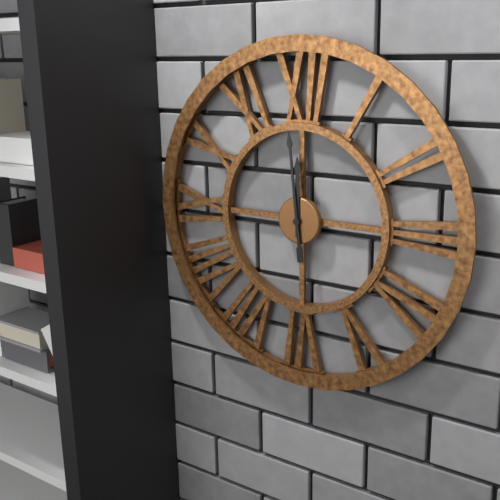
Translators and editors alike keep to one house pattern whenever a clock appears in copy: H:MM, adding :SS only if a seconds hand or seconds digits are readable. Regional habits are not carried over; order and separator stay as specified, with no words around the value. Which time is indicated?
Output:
11:59
